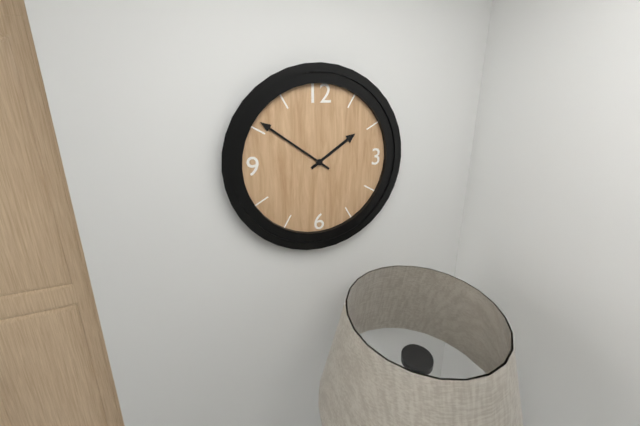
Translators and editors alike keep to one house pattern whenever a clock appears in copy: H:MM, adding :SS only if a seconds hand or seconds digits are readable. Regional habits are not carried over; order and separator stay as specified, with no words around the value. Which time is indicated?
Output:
1:51
